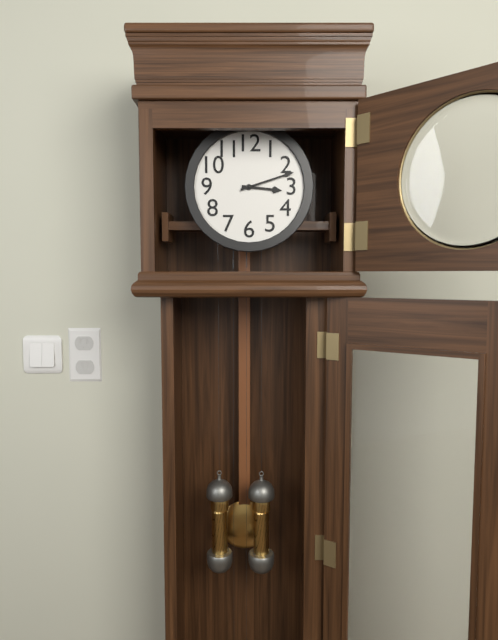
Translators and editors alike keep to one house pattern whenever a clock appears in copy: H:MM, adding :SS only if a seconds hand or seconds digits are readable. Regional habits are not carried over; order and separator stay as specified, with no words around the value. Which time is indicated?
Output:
3:12
